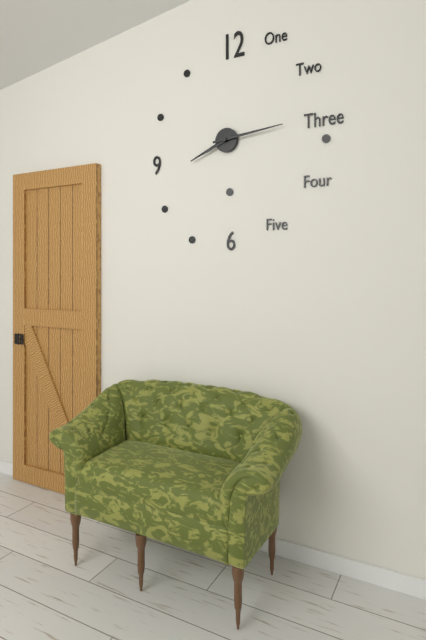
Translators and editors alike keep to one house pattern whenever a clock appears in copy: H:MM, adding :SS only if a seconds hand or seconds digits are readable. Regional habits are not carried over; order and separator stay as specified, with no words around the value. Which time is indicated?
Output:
8:14
